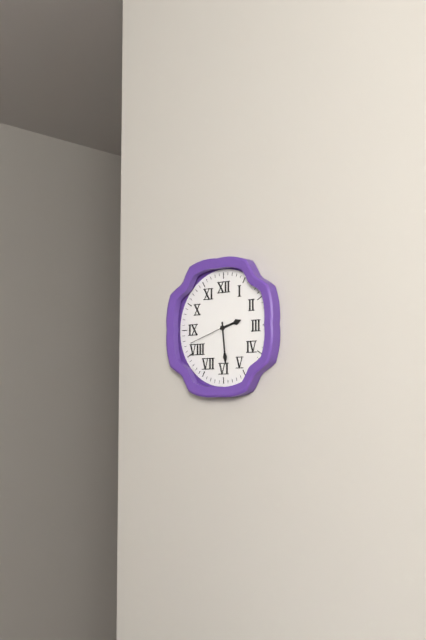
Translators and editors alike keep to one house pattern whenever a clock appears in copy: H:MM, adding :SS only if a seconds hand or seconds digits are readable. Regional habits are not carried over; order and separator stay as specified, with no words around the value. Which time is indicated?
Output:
2:29
